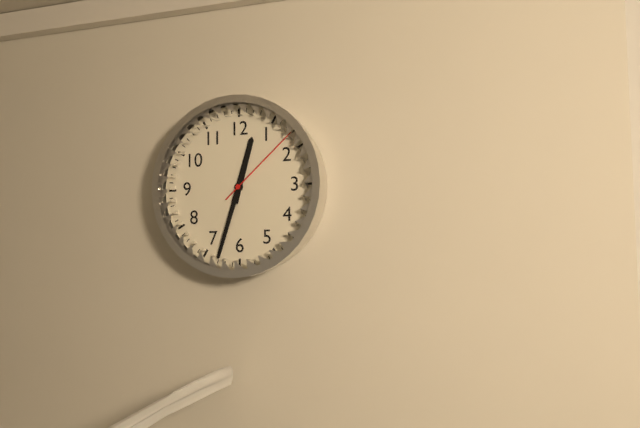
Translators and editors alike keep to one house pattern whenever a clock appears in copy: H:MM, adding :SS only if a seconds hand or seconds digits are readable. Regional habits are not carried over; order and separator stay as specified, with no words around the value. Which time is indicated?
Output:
12:33:08
